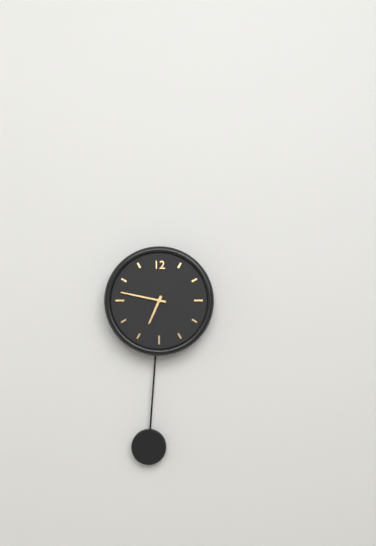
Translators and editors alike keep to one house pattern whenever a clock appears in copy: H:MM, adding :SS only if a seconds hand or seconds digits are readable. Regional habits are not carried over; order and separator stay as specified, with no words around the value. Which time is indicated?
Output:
6:47
